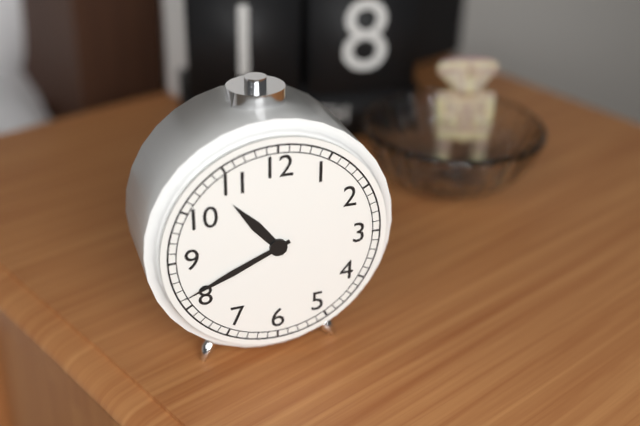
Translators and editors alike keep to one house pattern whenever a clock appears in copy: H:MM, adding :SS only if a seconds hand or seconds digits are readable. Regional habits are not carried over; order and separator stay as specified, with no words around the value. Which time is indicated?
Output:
10:41
